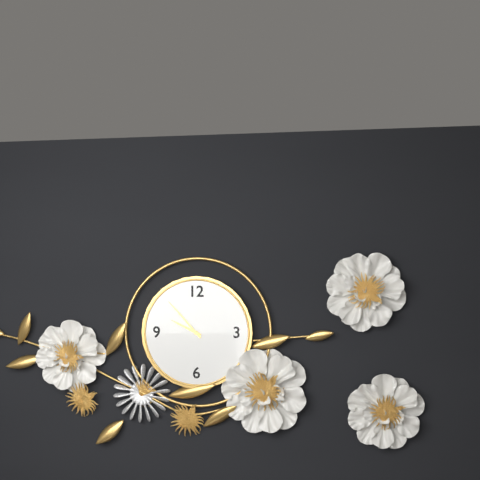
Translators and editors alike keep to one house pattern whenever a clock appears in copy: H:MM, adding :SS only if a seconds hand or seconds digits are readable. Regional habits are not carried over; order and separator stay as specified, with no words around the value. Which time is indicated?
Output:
9:53
